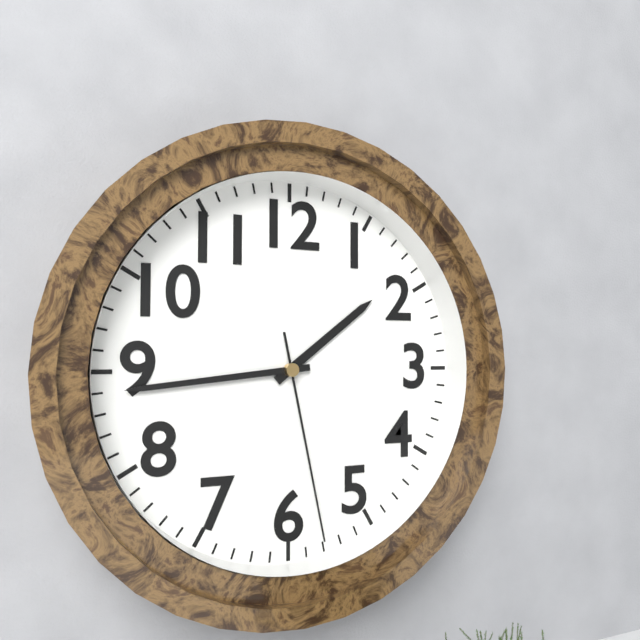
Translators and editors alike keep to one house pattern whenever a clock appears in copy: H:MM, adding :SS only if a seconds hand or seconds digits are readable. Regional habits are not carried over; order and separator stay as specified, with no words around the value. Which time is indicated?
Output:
1:44:28
